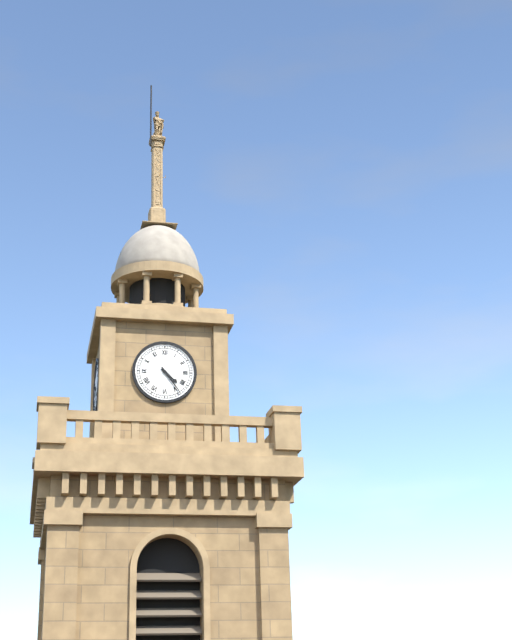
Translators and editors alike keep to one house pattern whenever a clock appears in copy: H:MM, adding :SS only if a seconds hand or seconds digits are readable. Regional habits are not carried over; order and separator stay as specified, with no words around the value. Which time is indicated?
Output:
4:24
